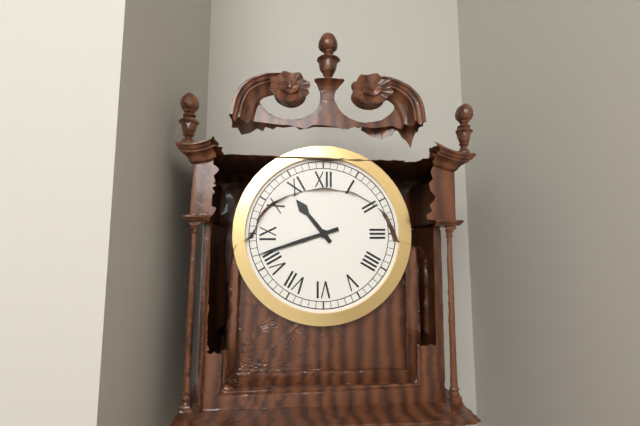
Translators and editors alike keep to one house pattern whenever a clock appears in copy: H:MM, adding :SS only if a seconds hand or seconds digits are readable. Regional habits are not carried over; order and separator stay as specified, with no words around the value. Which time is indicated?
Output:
10:42
